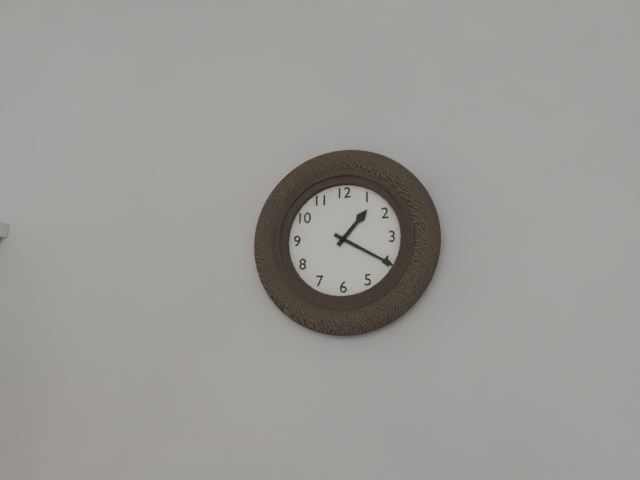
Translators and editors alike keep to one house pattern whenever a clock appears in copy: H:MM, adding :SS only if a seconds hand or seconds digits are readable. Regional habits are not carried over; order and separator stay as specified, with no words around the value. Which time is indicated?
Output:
1:20
